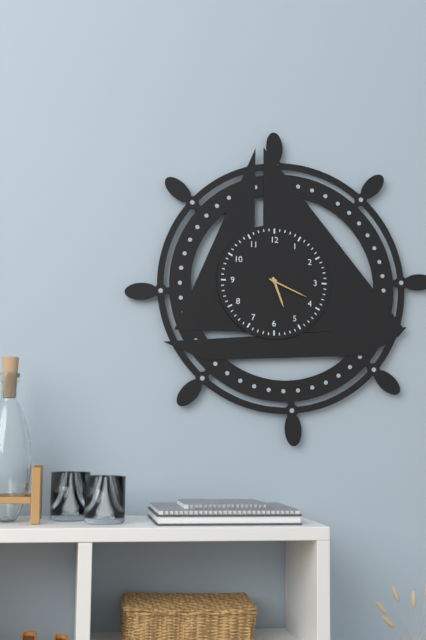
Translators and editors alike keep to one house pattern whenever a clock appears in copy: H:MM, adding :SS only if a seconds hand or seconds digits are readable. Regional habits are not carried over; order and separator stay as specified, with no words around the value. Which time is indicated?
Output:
5:19
